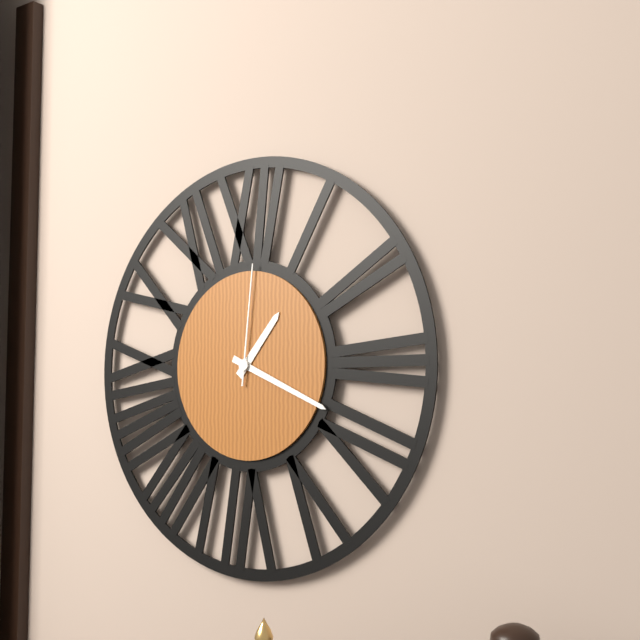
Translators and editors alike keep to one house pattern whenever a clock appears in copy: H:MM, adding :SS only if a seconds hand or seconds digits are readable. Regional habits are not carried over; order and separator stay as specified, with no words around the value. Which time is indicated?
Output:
1:19:01
